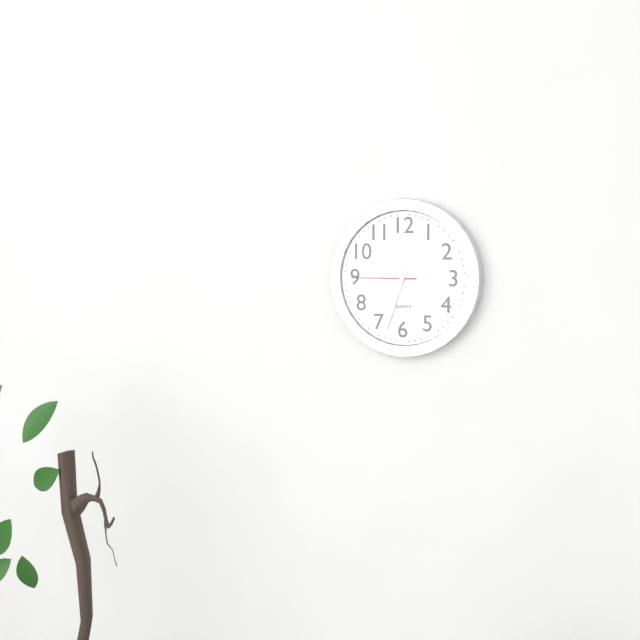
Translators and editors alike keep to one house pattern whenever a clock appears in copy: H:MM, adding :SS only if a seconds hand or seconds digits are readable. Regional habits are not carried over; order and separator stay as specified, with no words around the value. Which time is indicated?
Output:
2:33:45
